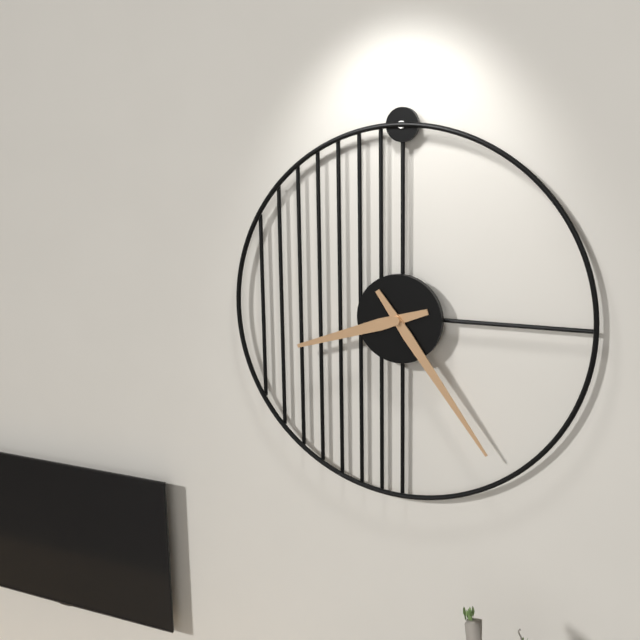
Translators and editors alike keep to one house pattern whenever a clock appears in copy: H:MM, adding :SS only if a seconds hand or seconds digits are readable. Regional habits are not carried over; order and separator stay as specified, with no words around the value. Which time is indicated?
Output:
8:24
